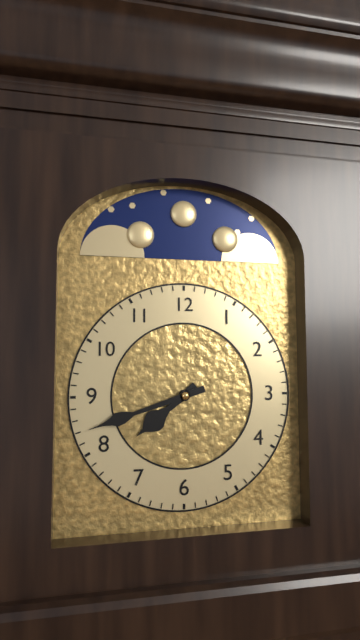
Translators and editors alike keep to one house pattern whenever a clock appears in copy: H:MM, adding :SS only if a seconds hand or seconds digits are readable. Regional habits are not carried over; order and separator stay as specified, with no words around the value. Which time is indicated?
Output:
7:42
